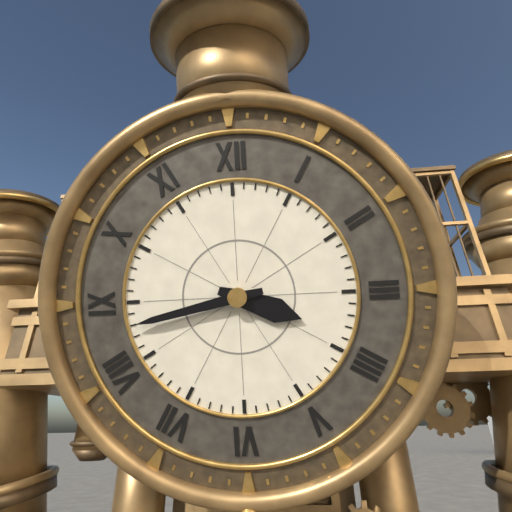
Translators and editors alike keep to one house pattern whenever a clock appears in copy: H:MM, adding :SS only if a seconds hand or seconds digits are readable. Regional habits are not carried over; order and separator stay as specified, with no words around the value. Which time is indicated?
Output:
3:43
